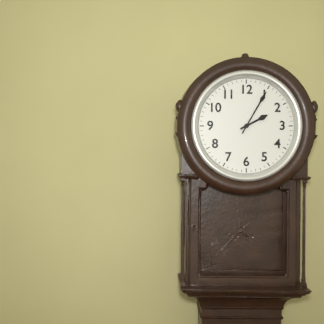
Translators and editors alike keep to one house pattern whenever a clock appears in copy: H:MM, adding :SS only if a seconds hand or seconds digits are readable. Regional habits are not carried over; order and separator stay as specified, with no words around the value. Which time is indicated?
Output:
2:05
